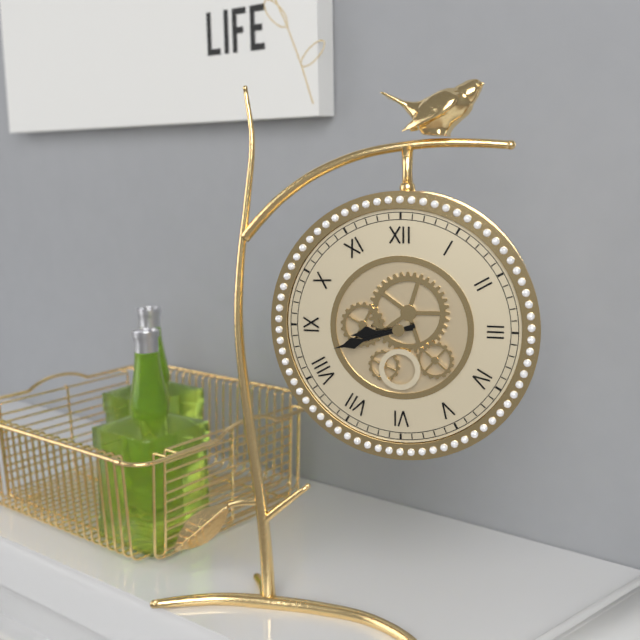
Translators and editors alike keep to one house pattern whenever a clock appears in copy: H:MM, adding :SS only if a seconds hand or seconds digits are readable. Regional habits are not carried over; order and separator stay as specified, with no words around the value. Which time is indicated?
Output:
8:42
